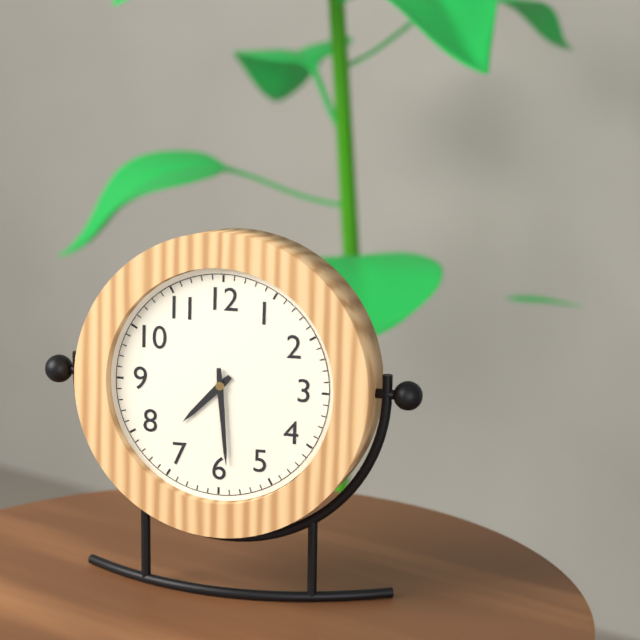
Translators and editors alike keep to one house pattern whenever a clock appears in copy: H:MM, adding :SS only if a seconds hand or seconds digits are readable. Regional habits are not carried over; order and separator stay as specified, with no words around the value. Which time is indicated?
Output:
7:29
